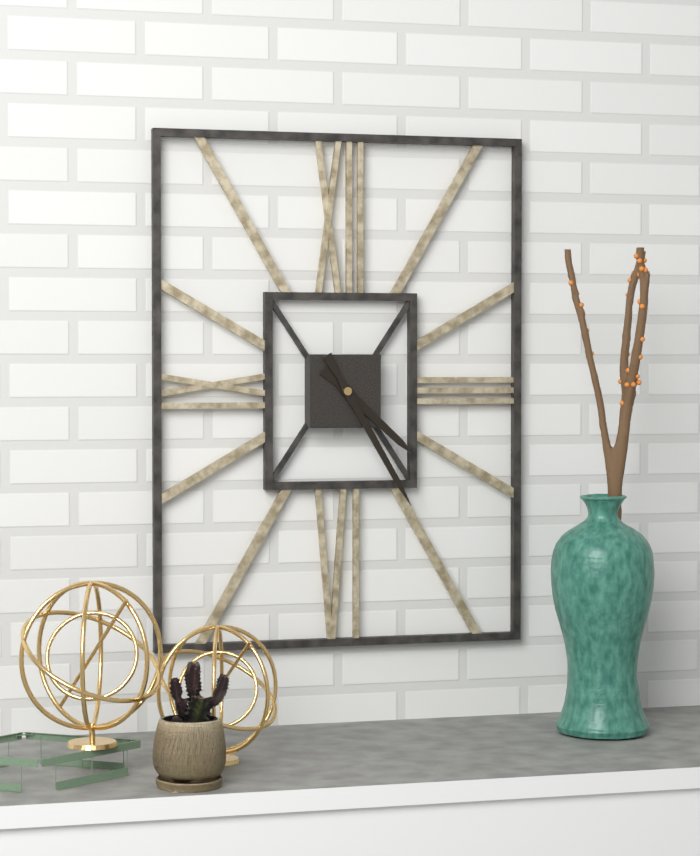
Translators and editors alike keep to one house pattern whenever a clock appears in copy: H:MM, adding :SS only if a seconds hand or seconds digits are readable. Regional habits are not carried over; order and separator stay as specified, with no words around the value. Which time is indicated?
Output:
4:25
